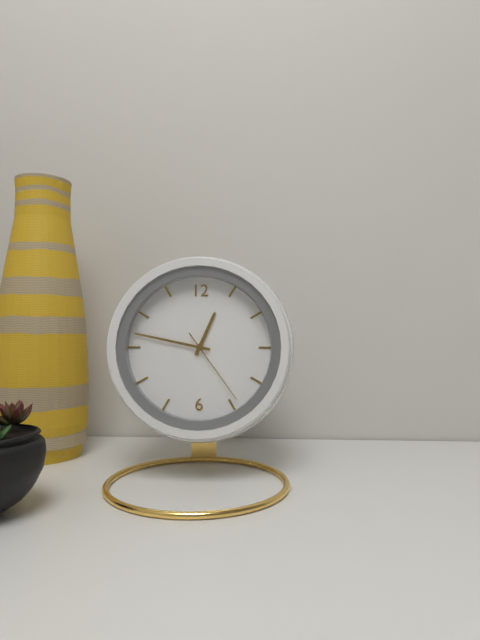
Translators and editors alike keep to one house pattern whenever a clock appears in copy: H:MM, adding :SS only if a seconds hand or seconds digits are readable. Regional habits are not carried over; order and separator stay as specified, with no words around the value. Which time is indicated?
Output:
12:47:24
